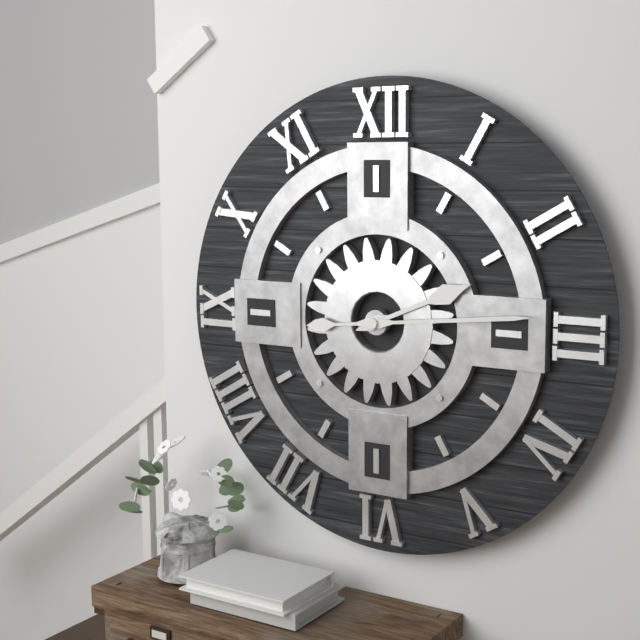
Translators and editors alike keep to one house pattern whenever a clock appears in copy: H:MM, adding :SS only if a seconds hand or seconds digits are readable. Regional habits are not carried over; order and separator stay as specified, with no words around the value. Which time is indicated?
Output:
2:14
